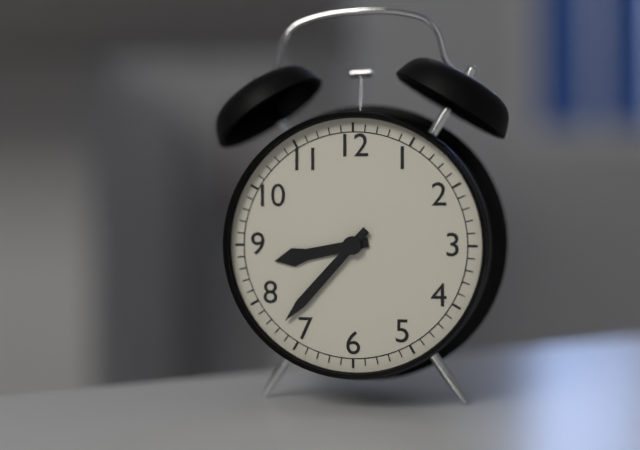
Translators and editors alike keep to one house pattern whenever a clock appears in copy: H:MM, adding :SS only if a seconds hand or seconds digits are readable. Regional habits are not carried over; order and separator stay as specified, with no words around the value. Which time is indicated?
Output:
8:37
